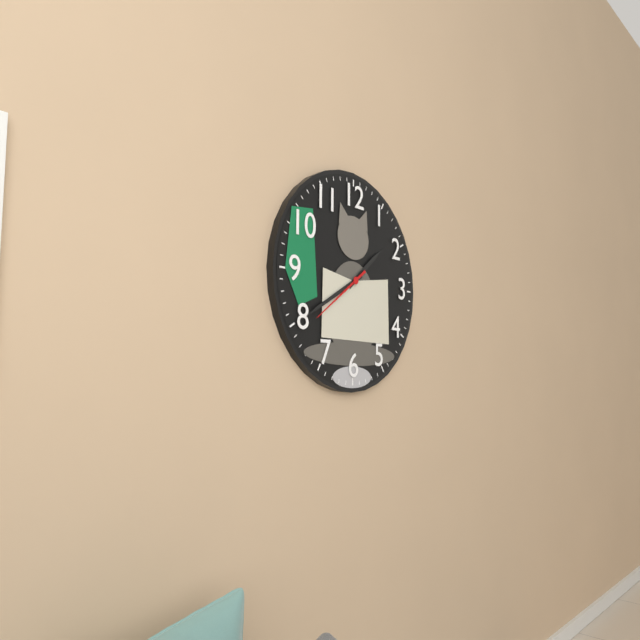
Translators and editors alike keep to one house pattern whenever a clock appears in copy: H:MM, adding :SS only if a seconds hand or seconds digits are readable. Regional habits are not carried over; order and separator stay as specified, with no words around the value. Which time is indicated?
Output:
1:40:39
